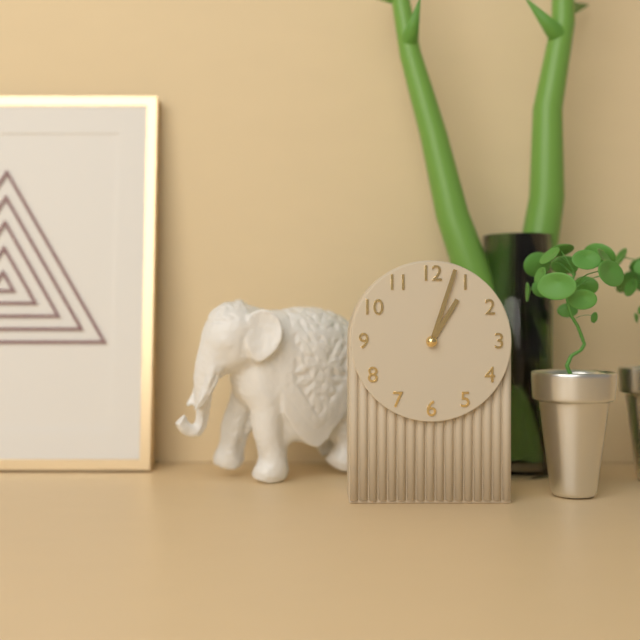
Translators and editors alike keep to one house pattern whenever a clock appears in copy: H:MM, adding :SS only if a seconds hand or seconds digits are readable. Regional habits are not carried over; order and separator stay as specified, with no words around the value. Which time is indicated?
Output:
1:03
